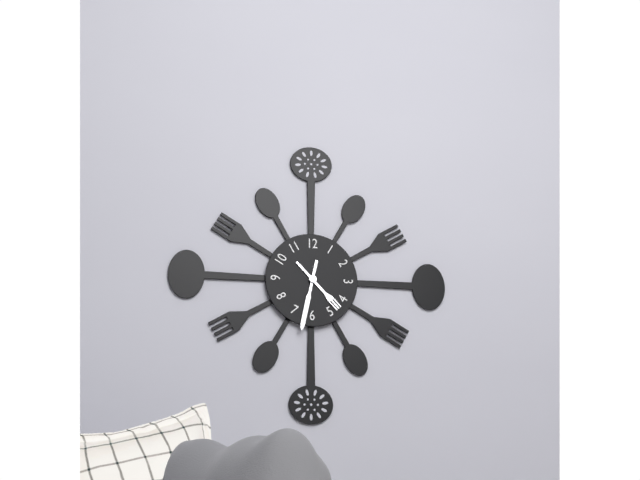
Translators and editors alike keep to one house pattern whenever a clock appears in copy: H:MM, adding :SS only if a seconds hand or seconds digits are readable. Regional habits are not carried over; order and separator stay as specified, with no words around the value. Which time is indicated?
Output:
4:32
